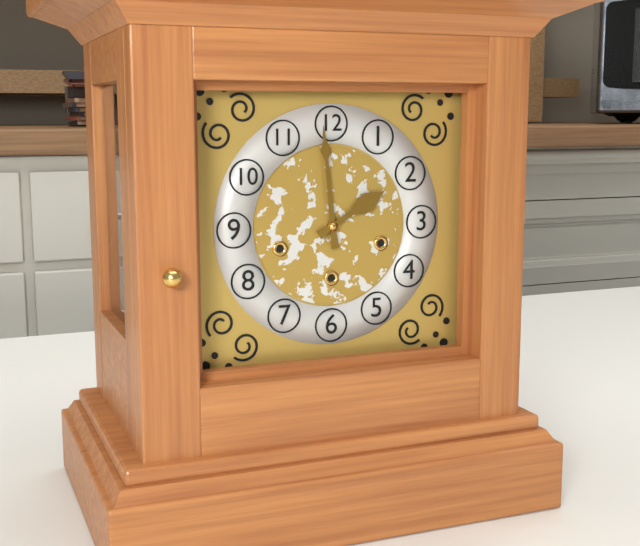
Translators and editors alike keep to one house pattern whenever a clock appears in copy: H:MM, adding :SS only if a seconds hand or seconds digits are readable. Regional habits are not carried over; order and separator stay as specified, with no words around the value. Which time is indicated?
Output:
1:59
